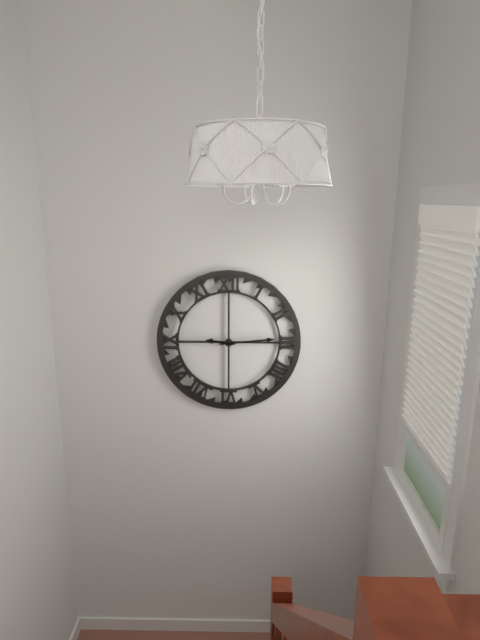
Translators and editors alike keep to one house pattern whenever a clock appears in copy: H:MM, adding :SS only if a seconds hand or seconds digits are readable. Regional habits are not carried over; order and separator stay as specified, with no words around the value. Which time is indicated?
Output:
9:14
